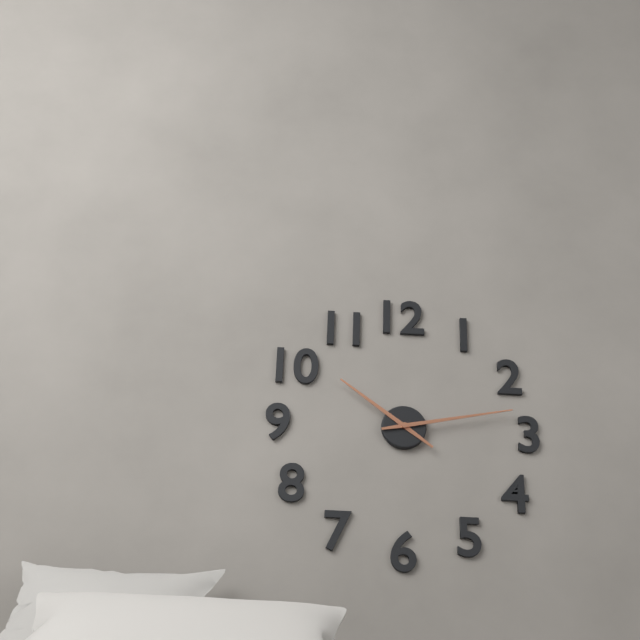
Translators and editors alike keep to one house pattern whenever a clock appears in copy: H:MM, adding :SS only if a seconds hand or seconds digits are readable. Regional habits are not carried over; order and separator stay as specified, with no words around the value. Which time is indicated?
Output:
10:13
